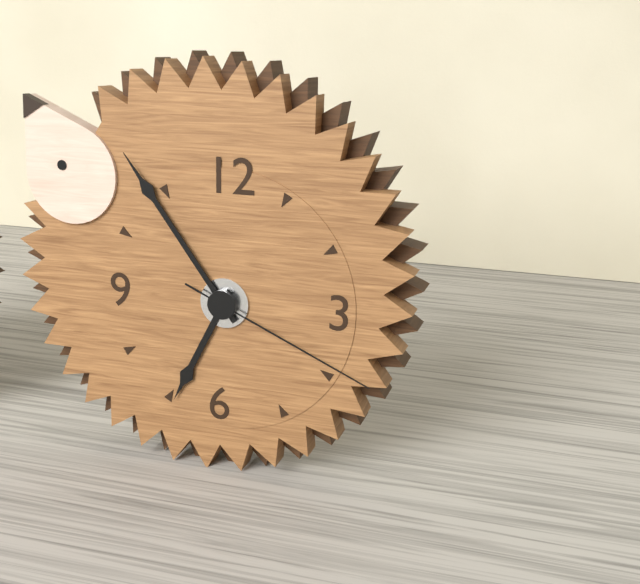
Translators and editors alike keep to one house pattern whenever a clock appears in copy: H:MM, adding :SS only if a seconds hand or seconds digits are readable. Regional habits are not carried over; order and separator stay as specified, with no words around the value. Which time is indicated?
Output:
6:54:19
